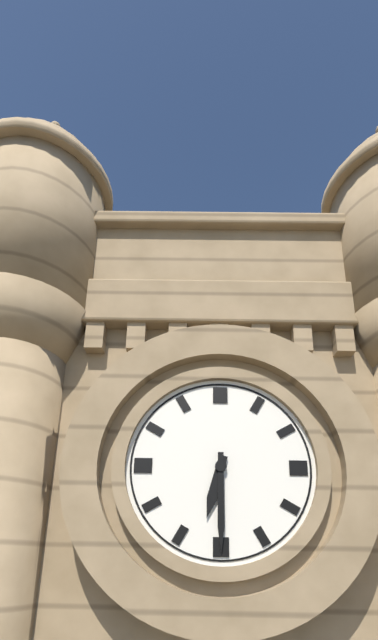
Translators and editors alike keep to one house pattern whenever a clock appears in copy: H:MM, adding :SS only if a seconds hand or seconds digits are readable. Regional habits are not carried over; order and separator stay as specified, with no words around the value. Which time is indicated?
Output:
6:30
